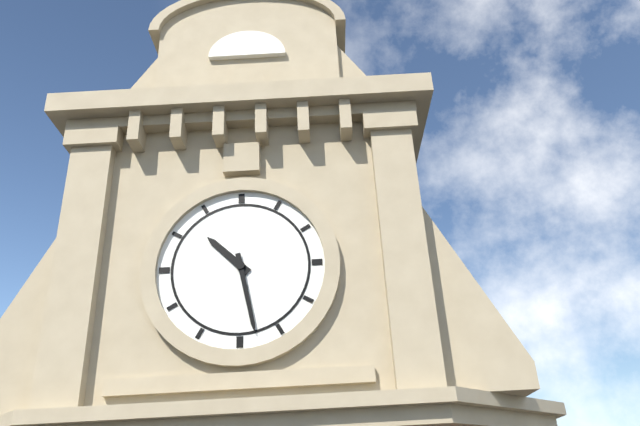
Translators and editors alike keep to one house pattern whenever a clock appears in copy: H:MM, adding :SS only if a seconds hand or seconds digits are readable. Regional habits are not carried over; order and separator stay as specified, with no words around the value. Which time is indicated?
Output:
10:28
